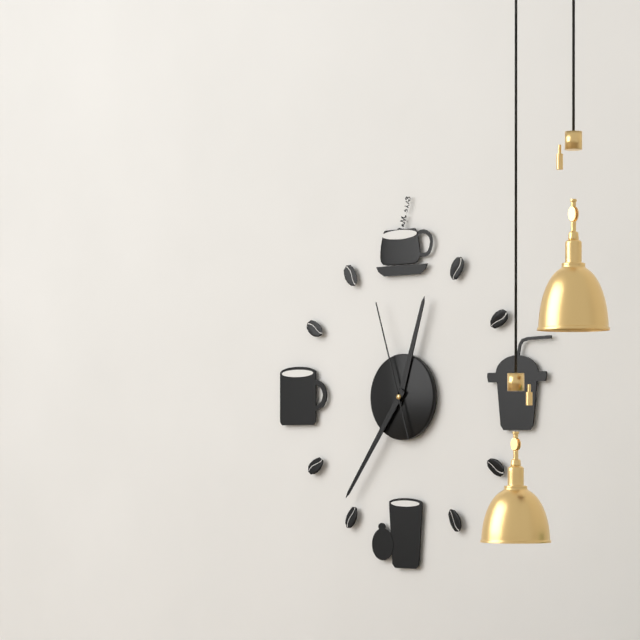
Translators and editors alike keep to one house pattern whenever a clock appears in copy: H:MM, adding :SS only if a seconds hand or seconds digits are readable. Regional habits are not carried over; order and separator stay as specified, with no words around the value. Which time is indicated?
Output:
12:36:57
